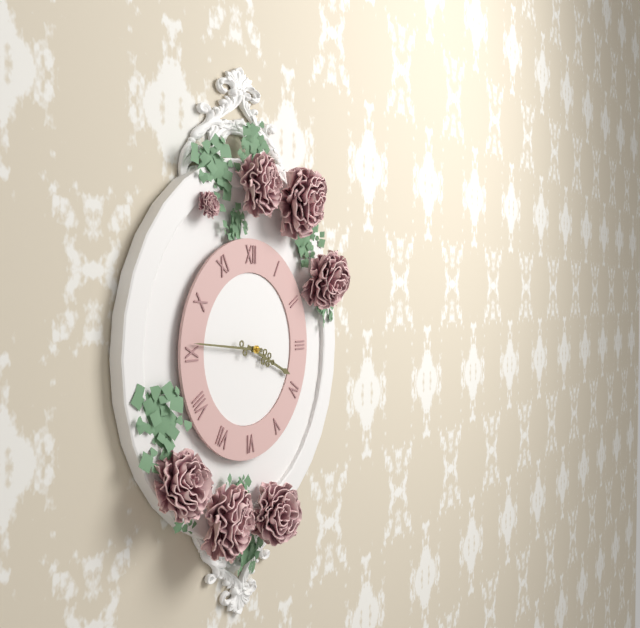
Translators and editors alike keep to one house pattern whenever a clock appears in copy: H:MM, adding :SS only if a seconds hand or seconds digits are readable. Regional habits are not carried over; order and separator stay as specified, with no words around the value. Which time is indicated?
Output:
3:46
